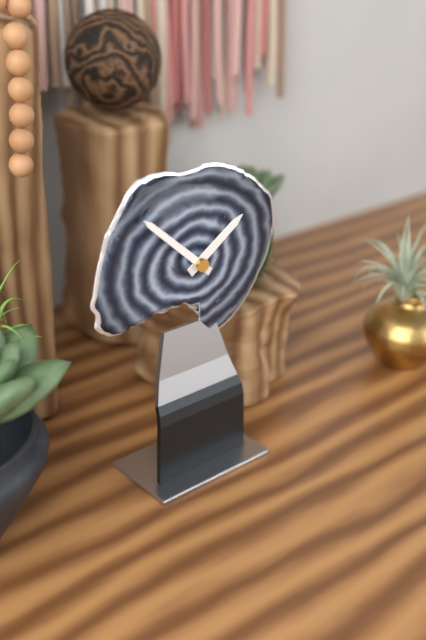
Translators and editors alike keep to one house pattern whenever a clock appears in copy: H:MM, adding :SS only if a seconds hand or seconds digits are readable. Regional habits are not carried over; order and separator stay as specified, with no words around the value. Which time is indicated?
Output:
1:52
